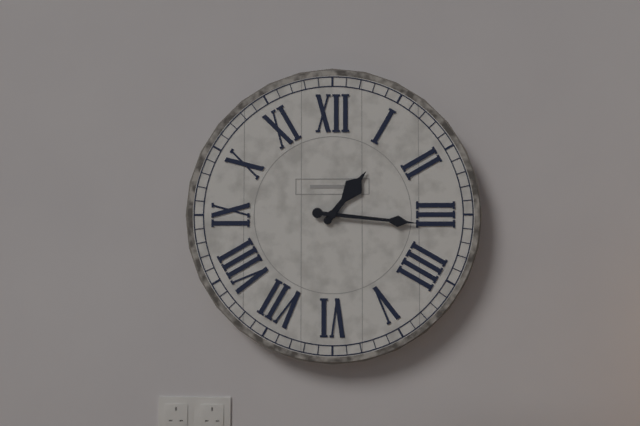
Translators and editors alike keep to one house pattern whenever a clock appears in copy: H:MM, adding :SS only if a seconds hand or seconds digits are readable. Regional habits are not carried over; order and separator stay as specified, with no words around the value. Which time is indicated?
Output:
1:16
